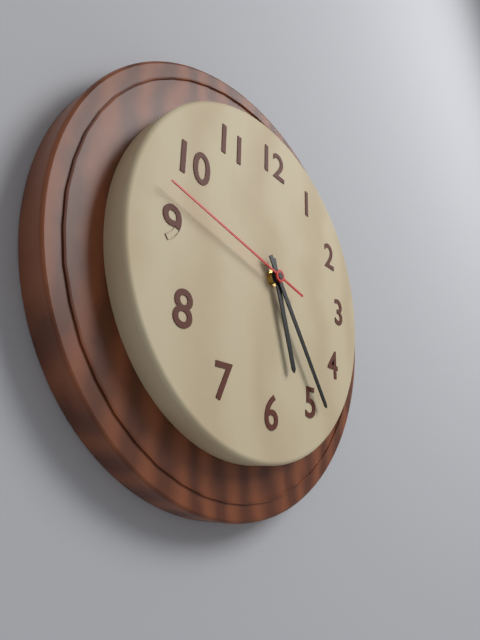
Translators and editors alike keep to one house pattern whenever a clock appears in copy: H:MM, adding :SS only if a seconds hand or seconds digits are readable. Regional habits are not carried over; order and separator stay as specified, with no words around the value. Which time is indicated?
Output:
5:24:47
